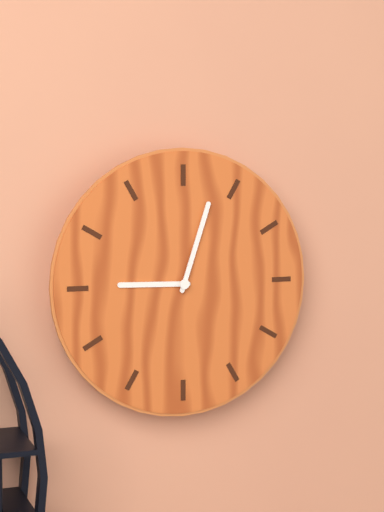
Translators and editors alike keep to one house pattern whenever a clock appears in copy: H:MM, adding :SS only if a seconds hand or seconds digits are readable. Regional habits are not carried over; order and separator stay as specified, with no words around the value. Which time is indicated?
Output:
9:03
